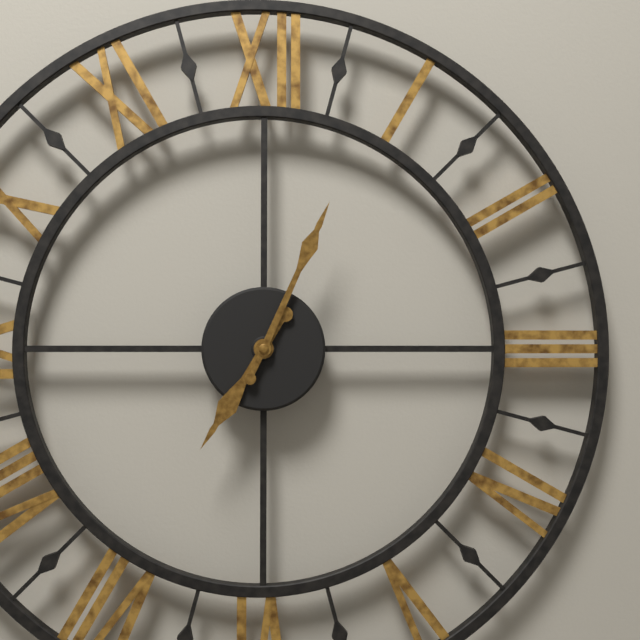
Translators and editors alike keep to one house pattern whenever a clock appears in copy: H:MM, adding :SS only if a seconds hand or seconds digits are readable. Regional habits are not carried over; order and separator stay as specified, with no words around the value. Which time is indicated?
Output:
7:04
